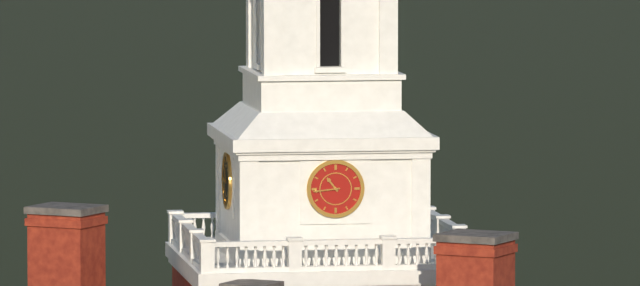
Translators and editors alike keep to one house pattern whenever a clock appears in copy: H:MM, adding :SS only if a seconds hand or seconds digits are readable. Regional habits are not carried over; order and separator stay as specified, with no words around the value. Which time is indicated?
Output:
10:44
